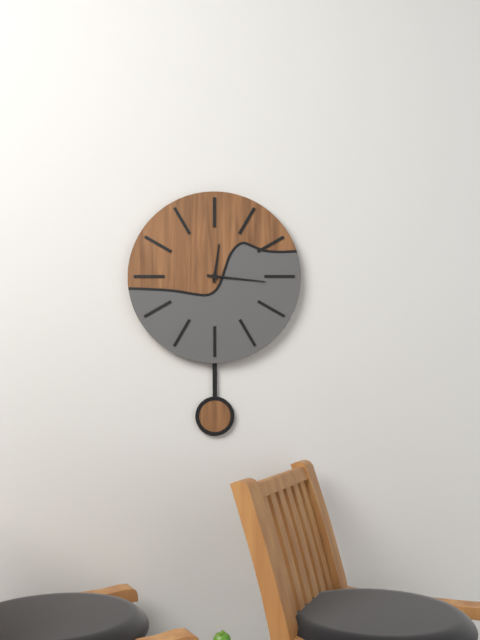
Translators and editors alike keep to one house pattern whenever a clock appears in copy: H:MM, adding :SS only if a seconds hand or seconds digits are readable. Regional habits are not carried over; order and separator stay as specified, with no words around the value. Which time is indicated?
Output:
12:16
